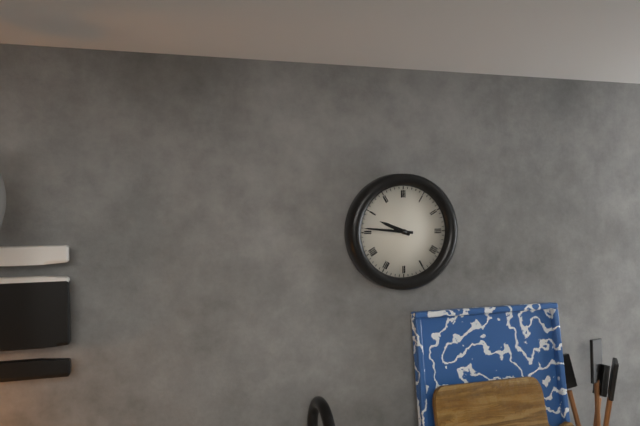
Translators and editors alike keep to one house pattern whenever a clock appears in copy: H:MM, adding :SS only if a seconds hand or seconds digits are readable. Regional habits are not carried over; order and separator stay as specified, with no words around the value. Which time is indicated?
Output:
9:46
